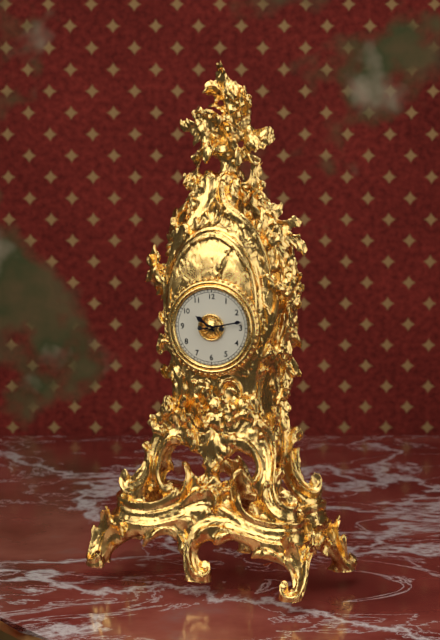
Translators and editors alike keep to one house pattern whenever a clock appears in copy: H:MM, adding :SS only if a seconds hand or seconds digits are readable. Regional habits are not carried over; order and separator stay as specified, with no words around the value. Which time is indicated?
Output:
10:13
